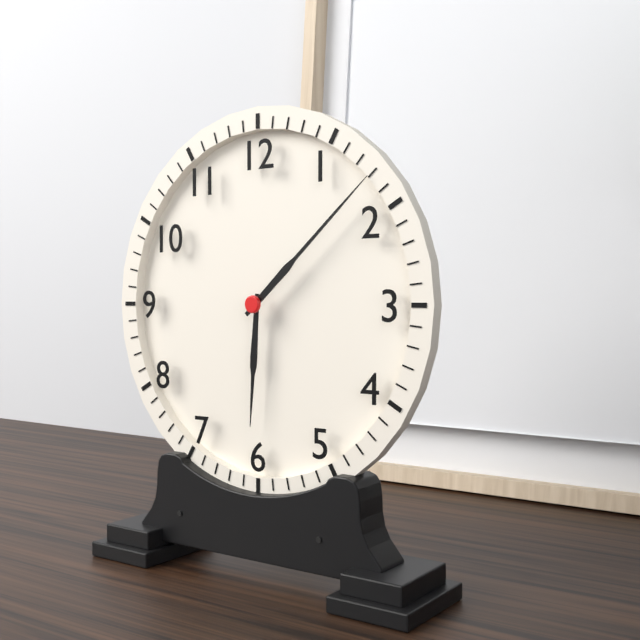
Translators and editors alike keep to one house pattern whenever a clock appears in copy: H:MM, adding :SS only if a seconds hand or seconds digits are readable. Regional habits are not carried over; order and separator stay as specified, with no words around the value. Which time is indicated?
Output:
6:08
